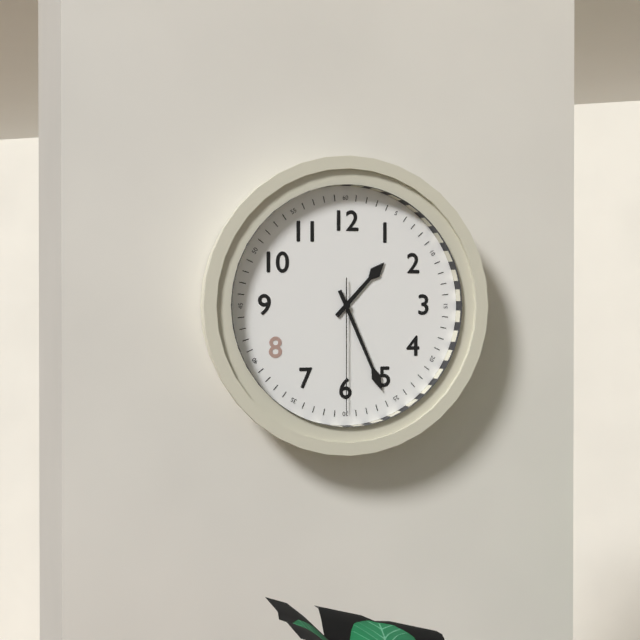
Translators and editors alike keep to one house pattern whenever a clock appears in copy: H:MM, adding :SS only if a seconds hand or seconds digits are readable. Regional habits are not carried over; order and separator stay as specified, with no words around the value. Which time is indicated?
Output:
1:26:30
